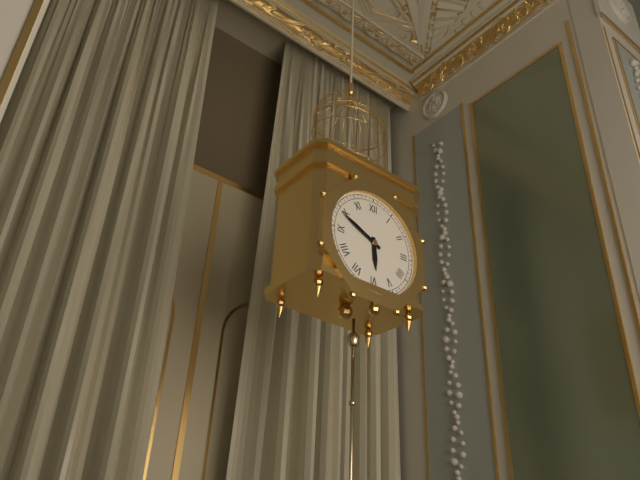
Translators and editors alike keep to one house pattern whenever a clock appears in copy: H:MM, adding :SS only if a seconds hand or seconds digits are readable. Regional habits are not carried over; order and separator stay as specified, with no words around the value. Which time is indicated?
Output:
5:49
